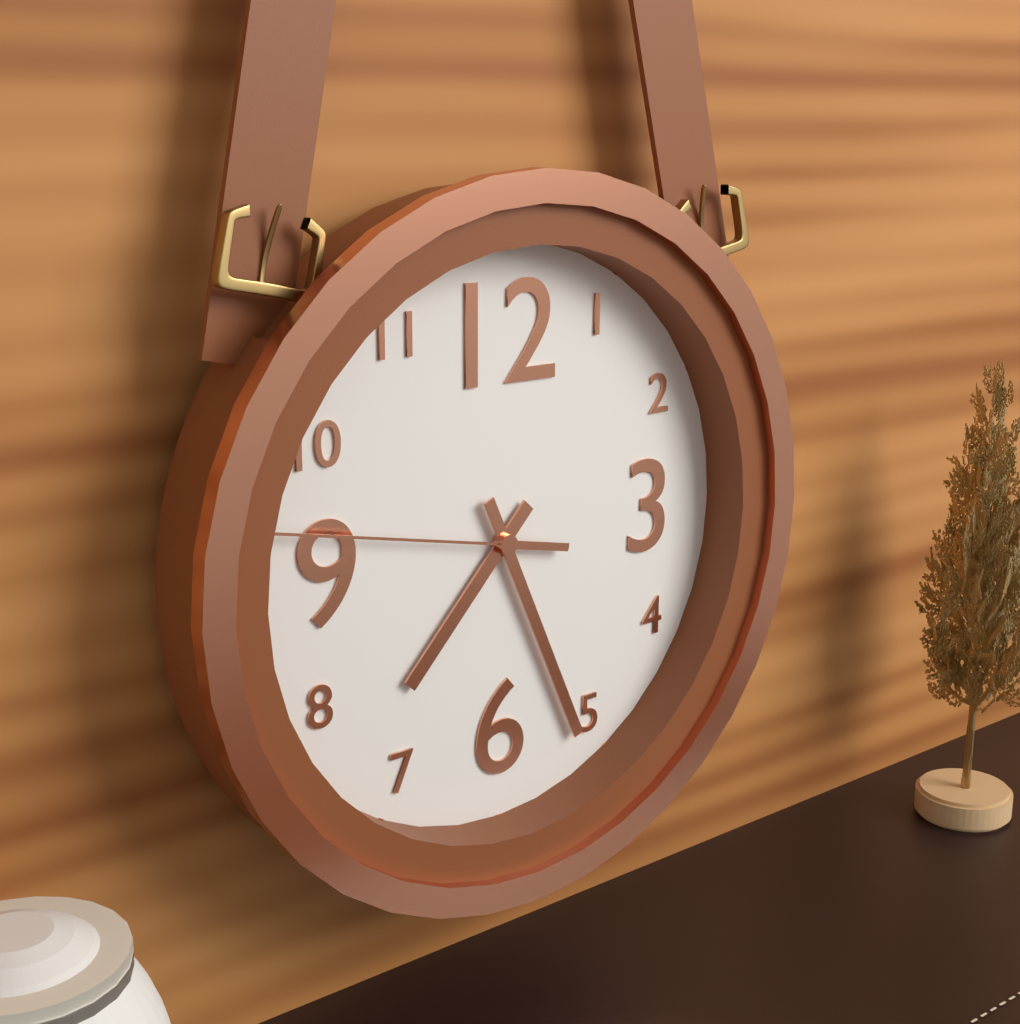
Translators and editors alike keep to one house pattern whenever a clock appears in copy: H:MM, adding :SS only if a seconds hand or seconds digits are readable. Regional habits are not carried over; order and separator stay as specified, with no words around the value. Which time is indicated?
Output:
7:26:47
